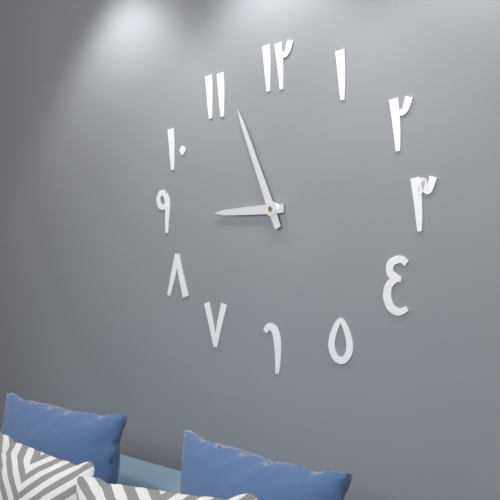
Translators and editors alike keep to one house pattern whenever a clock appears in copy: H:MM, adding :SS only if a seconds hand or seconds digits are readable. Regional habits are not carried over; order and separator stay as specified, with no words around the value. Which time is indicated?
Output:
8:56
